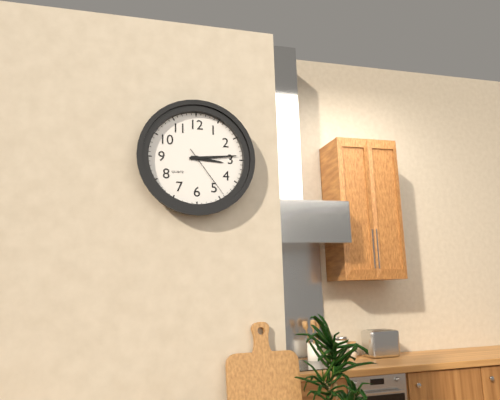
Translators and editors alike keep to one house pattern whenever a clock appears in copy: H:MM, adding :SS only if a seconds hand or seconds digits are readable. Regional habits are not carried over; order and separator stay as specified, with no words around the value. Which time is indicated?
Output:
3:14:24
